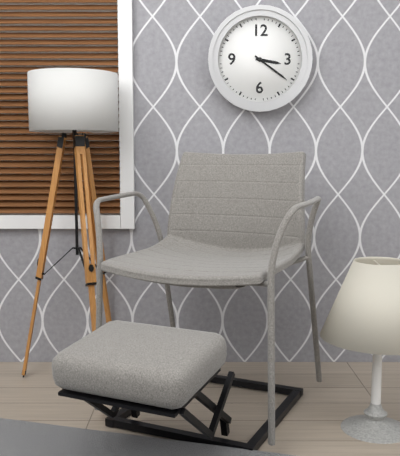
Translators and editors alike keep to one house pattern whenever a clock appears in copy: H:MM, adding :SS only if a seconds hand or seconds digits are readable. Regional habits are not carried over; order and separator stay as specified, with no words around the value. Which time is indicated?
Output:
3:21
